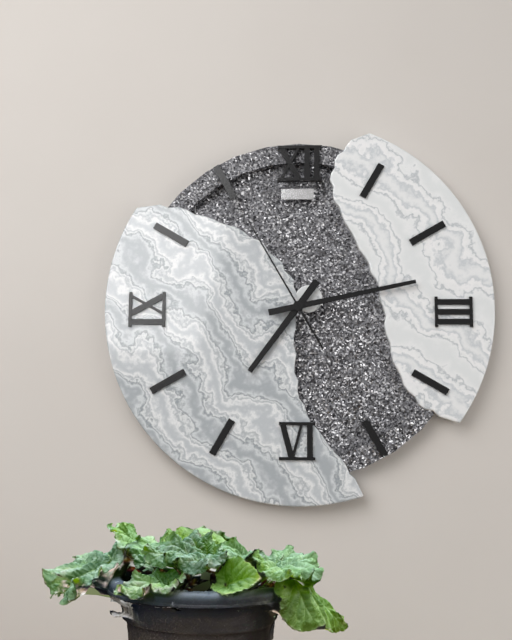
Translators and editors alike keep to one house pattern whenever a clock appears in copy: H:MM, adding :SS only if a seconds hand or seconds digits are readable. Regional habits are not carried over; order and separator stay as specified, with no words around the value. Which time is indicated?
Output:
7:13:55
